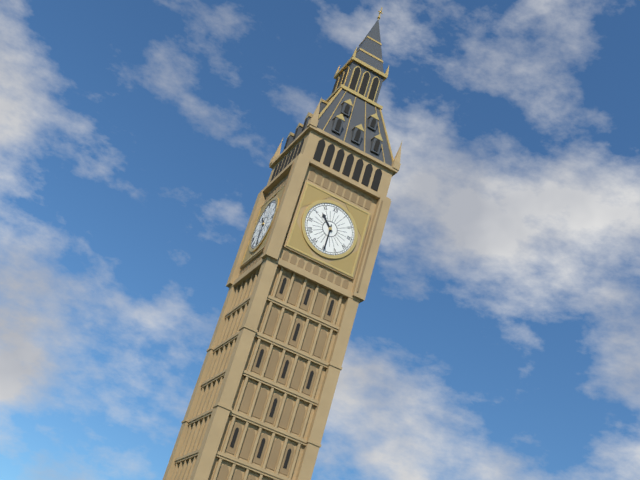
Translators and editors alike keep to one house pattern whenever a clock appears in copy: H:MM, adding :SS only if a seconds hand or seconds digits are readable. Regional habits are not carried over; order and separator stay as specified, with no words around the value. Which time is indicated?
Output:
10:30
